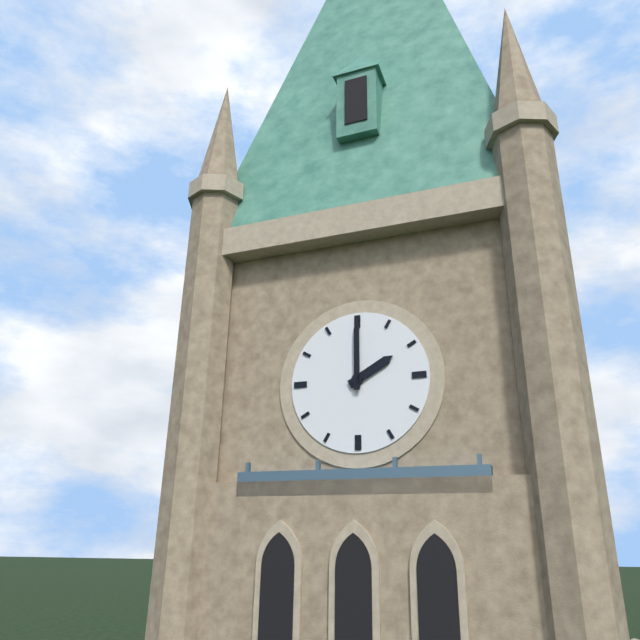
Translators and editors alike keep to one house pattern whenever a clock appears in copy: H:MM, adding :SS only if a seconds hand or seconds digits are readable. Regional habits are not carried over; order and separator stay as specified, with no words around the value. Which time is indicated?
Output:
2:00
